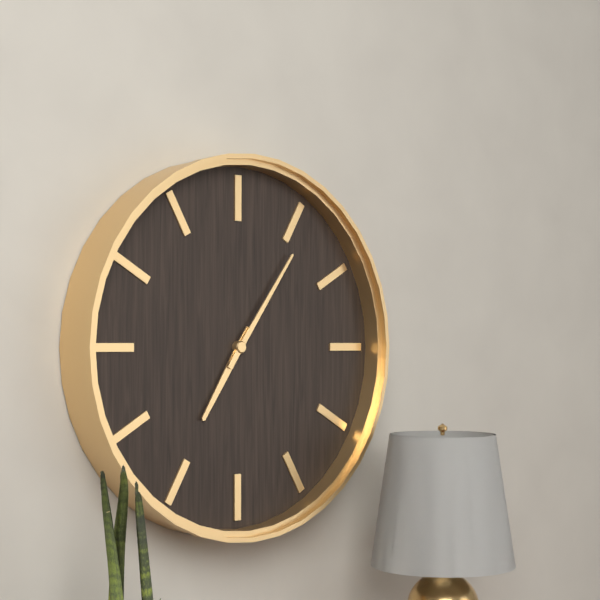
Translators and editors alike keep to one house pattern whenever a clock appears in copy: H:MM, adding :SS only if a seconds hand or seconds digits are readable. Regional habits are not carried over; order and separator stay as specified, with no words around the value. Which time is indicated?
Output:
7:06
